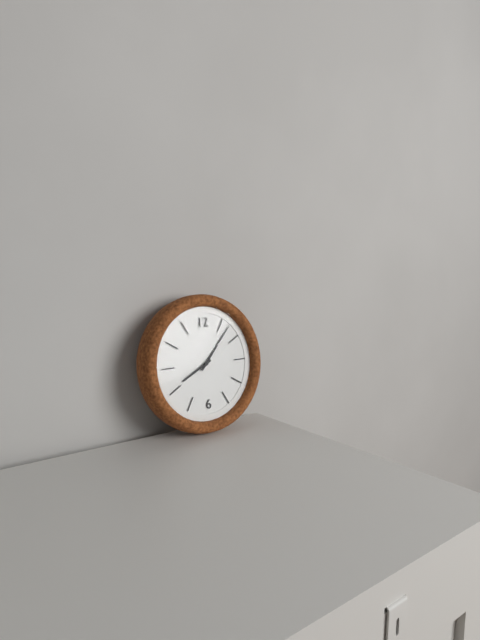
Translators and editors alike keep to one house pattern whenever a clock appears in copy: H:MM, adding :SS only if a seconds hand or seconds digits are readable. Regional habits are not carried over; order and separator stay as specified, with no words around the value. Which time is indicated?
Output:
8:07
